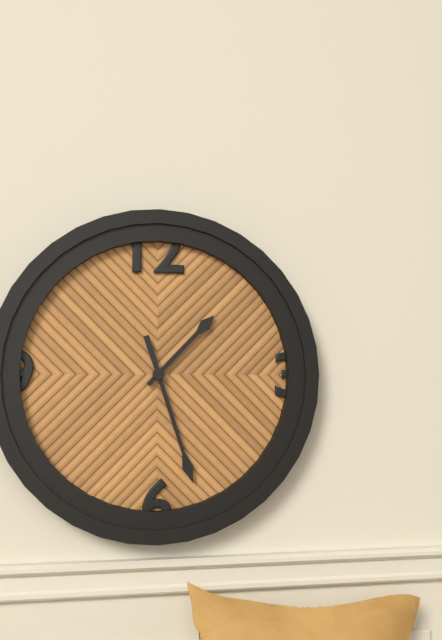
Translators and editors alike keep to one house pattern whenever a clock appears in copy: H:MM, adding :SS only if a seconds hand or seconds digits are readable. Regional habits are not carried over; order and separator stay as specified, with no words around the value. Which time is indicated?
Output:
1:27
